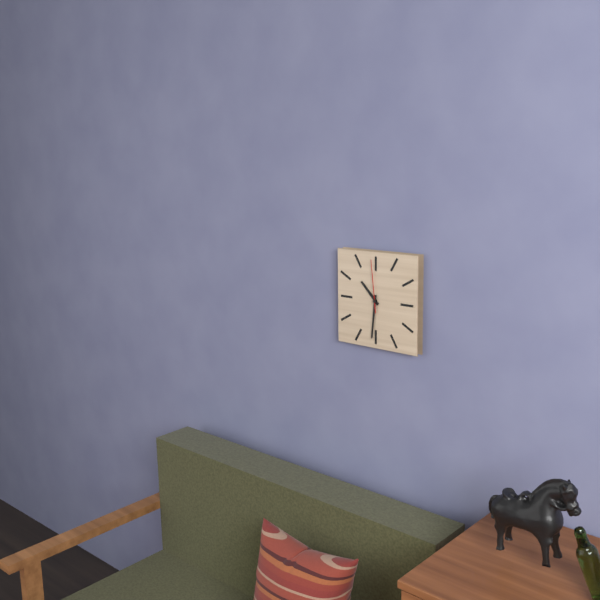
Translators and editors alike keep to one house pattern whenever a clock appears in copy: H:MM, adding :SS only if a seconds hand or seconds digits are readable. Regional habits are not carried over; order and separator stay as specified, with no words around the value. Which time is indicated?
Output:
10:31:59
